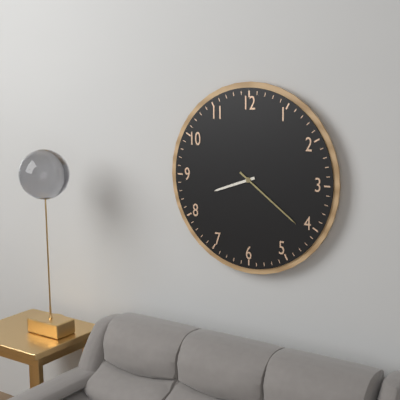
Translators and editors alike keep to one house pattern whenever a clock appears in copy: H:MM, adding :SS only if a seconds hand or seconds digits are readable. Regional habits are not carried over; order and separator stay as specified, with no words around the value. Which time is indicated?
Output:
8:21
